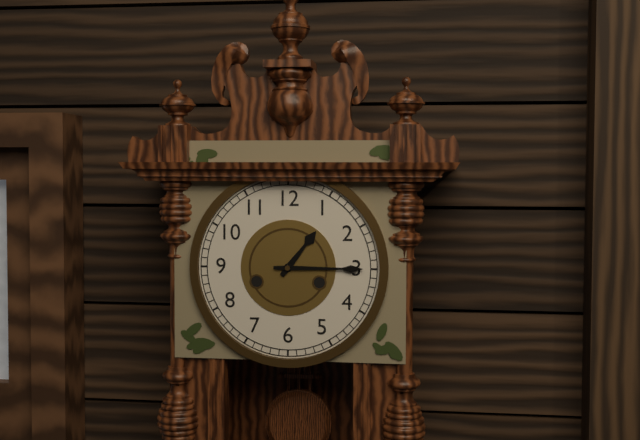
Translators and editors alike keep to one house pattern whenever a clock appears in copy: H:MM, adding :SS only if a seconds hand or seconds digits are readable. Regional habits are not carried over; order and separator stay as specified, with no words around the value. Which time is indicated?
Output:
1:15
